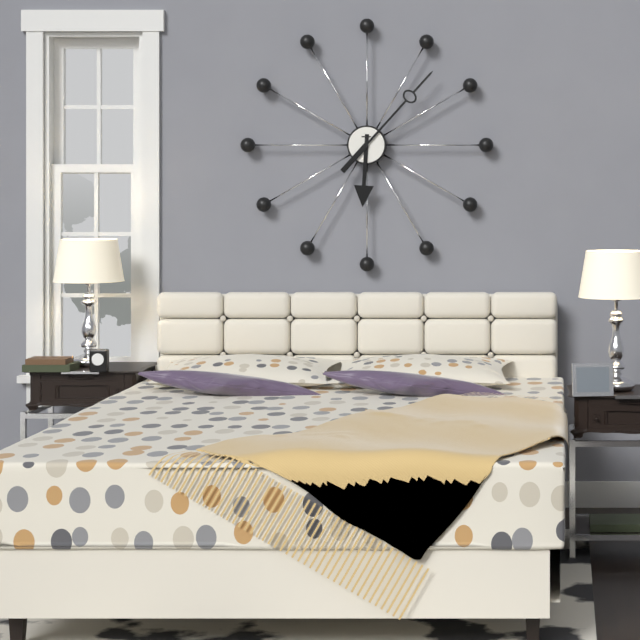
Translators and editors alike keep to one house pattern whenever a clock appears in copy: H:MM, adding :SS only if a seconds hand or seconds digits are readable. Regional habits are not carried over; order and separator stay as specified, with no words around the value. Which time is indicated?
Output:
6:07
